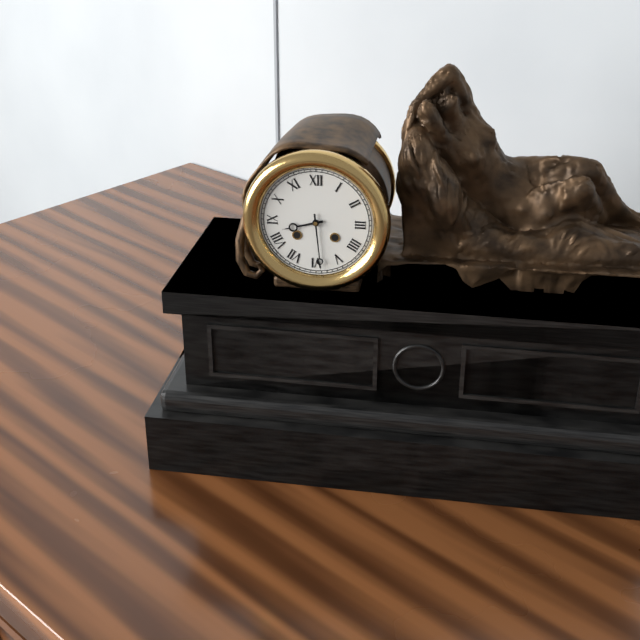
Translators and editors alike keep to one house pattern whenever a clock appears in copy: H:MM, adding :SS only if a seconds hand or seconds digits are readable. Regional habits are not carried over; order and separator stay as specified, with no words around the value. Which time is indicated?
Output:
8:29
